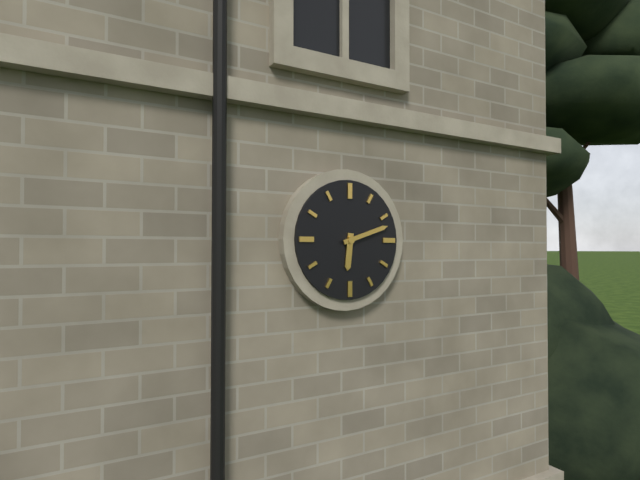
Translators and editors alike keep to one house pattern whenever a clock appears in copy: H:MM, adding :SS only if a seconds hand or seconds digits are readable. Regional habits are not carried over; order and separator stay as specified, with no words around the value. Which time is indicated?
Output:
6:12
